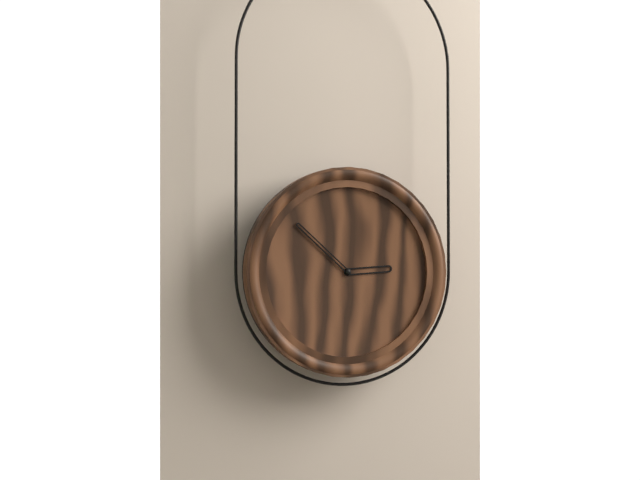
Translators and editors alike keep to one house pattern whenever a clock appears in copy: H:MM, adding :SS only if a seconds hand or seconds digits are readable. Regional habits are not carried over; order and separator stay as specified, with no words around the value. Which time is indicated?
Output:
2:52
